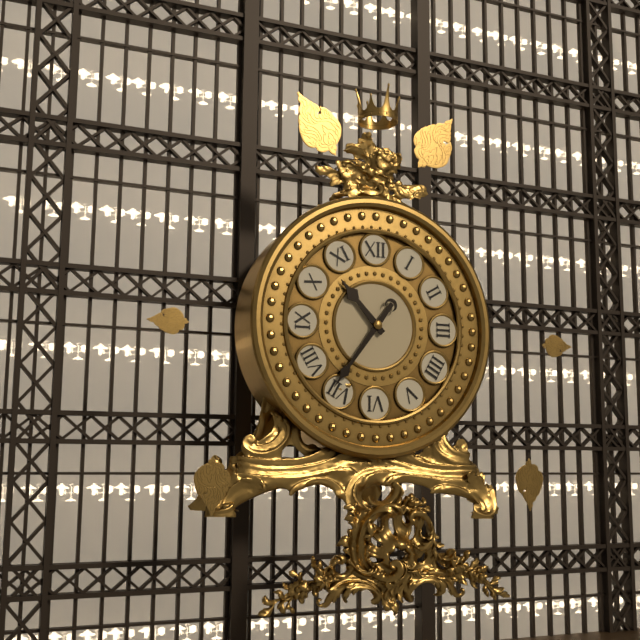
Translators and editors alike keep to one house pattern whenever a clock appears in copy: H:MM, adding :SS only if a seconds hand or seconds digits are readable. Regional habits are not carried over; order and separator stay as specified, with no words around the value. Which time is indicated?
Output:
10:36
